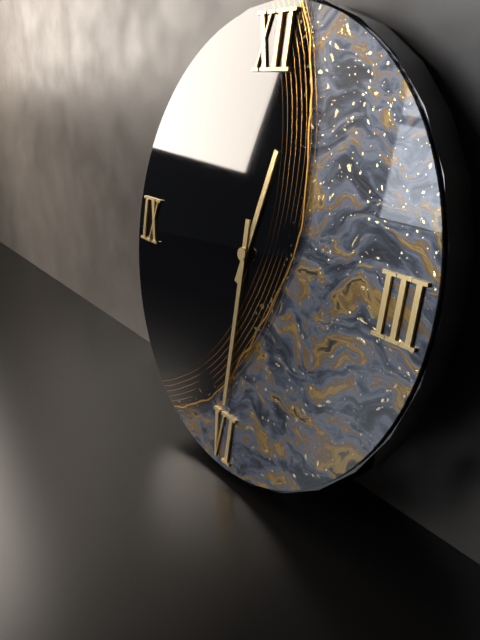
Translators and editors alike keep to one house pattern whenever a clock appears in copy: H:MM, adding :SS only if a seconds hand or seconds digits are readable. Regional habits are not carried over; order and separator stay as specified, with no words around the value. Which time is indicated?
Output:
12:30
